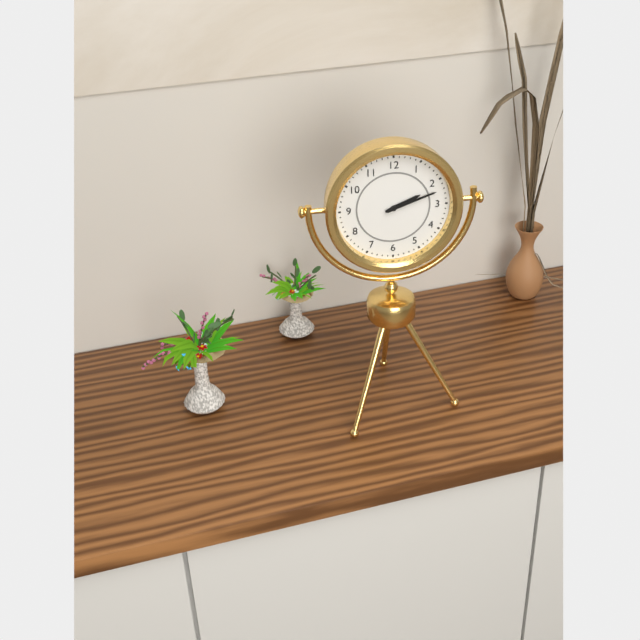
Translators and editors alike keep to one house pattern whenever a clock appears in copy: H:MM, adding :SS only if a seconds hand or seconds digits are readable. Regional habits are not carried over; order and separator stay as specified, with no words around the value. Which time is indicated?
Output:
2:12
